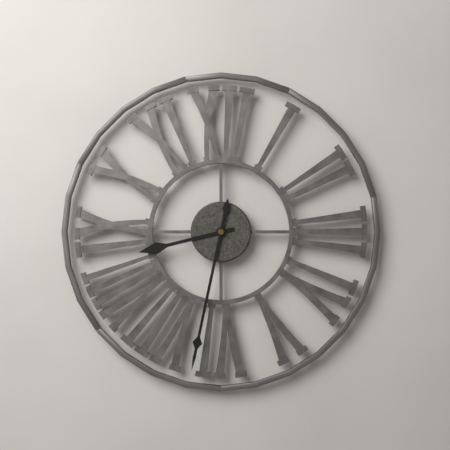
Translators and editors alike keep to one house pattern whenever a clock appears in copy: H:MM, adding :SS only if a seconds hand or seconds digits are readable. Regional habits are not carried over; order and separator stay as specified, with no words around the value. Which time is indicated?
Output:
8:32
